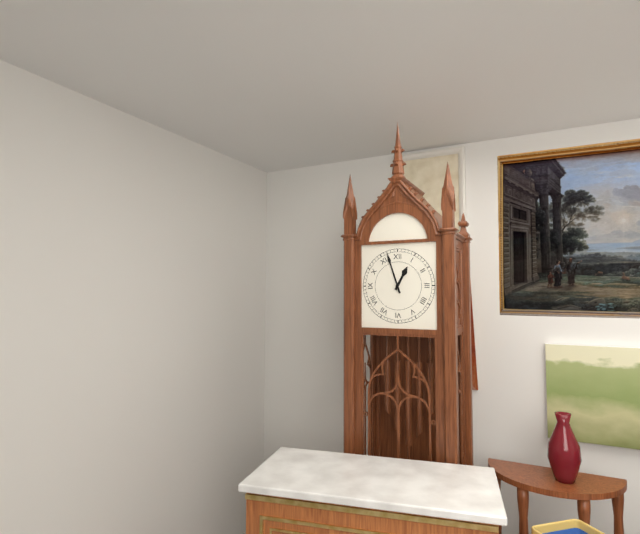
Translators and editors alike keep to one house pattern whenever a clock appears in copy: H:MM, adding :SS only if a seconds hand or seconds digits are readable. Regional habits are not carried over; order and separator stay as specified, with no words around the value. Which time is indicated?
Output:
12:57
